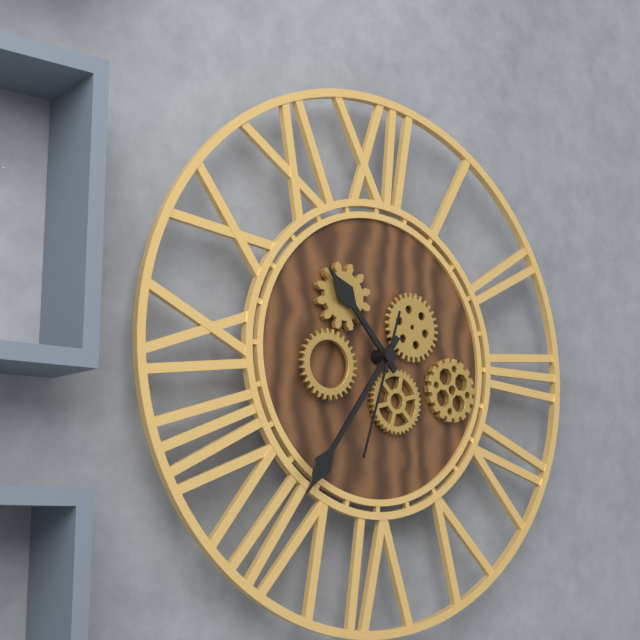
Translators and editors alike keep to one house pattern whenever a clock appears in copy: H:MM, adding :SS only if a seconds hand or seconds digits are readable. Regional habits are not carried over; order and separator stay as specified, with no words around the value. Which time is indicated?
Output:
10:36:33
